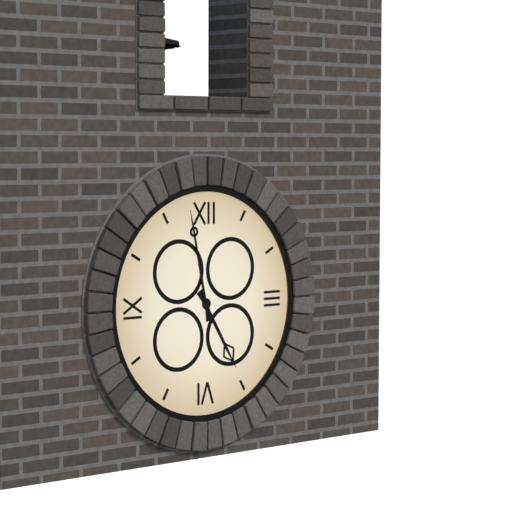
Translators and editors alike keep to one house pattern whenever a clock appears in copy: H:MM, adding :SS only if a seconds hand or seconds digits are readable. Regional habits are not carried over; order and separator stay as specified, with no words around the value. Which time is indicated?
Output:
4:58
